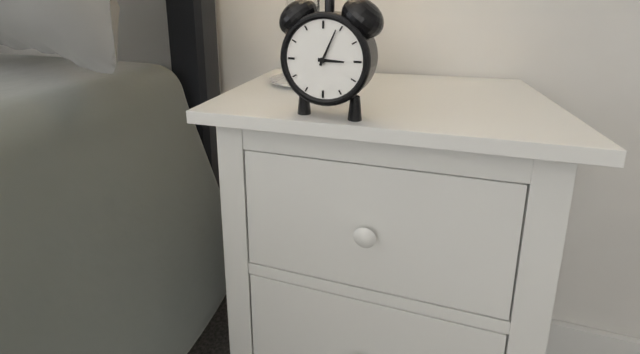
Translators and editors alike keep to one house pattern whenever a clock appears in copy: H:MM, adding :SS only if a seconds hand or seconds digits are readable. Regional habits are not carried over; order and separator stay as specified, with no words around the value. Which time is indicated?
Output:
3:04
